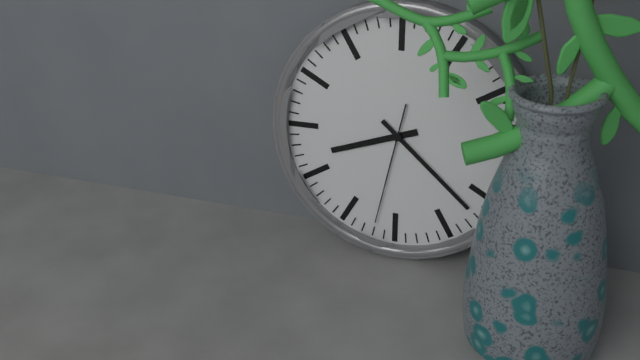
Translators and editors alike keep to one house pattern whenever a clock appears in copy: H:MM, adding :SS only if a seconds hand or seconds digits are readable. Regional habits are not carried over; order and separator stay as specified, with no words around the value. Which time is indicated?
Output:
8:22:32
